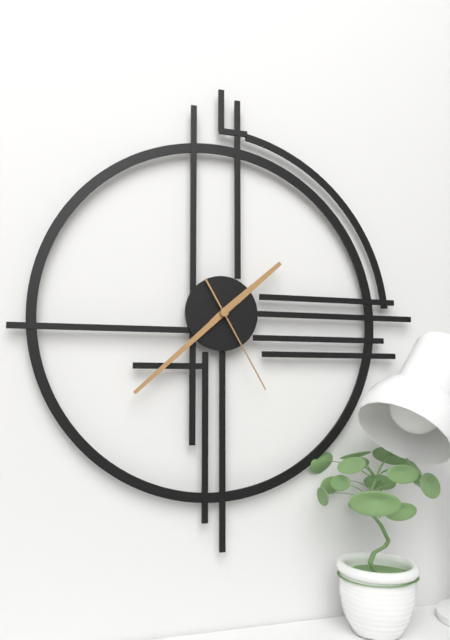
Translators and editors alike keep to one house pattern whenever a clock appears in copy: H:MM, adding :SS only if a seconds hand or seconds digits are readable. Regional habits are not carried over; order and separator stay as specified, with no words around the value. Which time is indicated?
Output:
1:38:25
